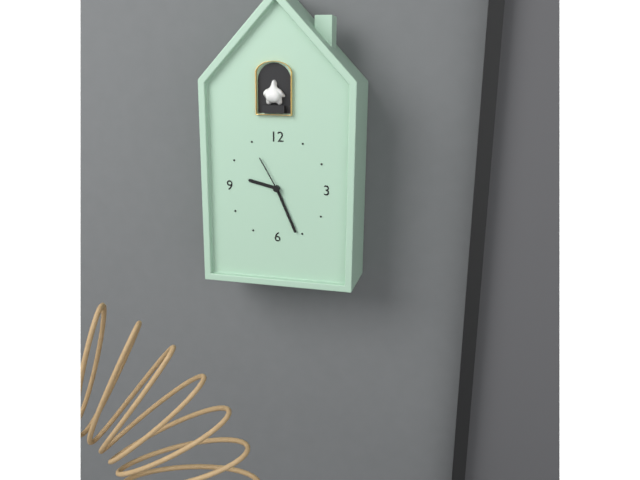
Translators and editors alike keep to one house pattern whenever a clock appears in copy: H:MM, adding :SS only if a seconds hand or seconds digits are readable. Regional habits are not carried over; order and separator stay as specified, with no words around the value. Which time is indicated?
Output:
9:26
